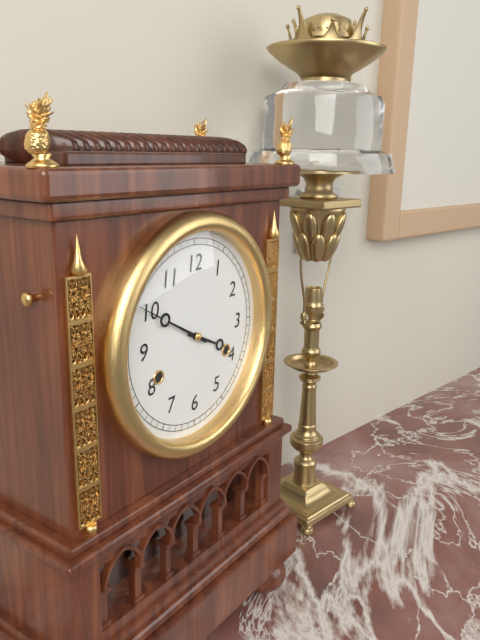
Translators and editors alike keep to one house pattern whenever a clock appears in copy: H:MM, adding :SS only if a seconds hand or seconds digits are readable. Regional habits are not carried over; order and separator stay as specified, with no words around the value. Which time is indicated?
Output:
3:50
